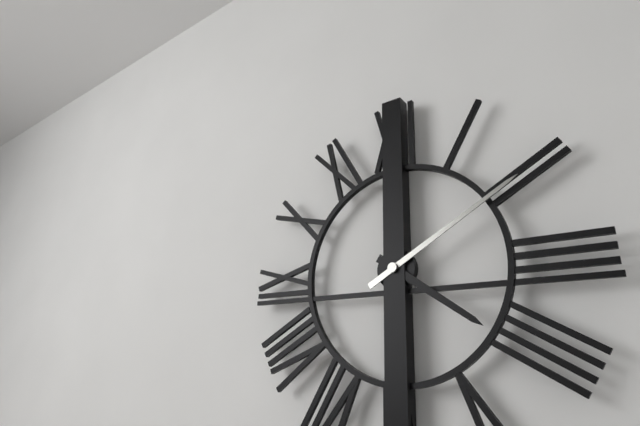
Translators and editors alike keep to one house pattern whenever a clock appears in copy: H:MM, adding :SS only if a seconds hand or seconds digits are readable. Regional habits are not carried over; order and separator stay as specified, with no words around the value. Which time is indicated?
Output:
4:10
